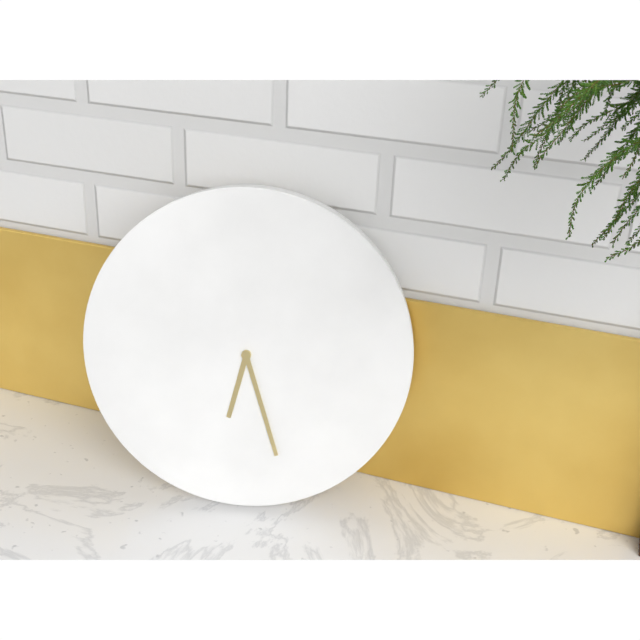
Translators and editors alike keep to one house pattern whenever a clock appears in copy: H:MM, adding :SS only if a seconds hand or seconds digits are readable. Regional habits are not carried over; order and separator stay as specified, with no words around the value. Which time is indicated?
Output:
6:27
